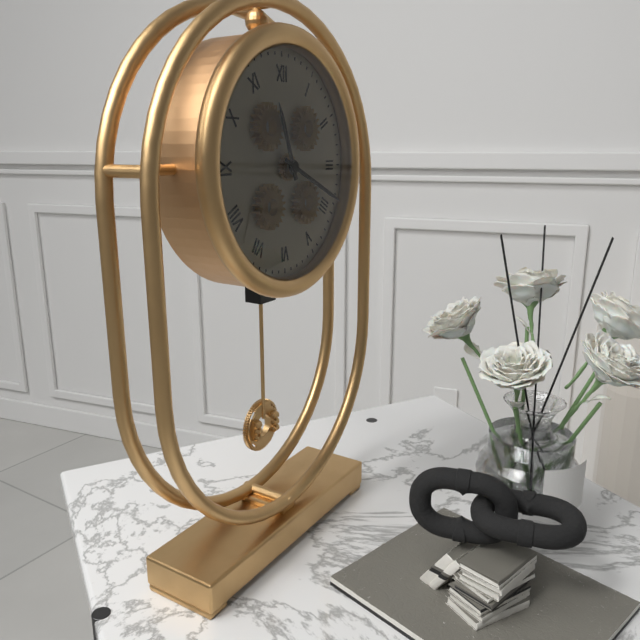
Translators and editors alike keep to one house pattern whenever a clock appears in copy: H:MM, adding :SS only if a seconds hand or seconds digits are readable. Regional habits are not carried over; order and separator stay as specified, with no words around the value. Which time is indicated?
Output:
11:19
